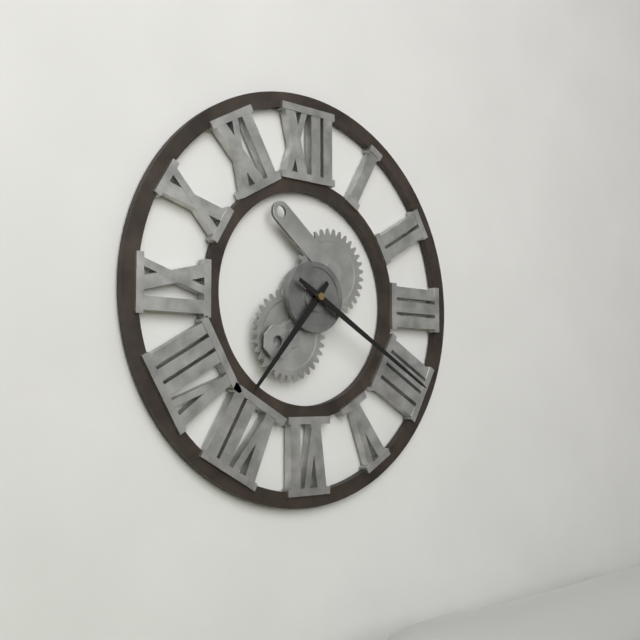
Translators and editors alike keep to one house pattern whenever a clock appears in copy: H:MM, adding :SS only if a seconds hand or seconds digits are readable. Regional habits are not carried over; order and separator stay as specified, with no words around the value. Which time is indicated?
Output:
7:20
